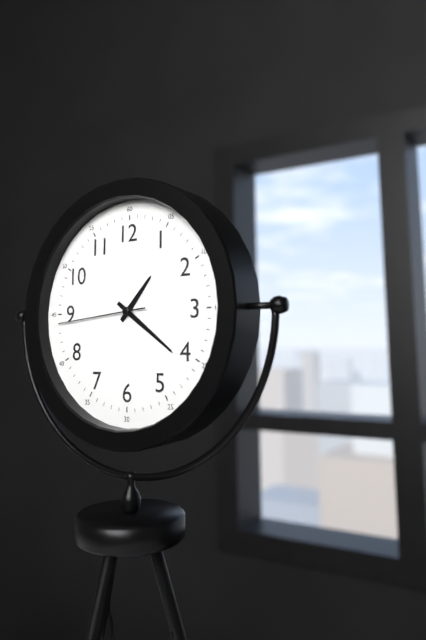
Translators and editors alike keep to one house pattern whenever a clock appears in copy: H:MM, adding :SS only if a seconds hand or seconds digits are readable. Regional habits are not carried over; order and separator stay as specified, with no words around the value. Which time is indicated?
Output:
1:21:44
